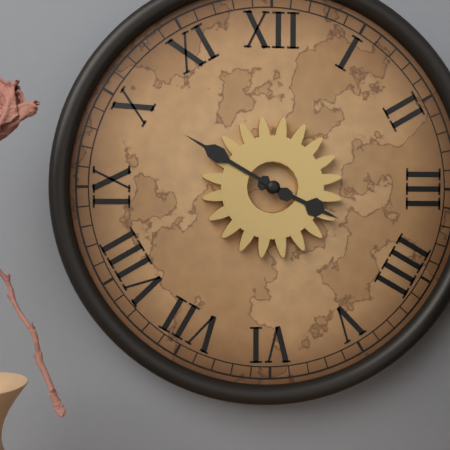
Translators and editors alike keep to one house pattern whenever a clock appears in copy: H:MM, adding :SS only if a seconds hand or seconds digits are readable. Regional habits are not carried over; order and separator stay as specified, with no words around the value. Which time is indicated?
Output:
3:50
